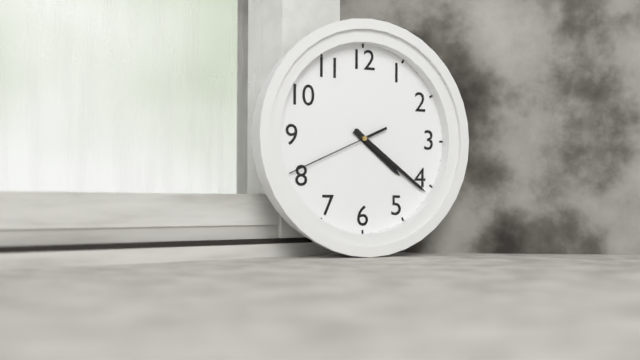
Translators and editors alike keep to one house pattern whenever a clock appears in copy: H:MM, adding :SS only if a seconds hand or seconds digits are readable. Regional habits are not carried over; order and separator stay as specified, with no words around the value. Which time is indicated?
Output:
4:21:41
